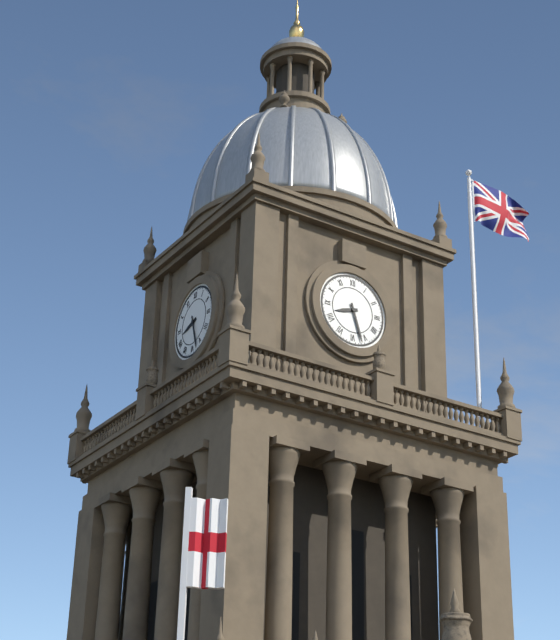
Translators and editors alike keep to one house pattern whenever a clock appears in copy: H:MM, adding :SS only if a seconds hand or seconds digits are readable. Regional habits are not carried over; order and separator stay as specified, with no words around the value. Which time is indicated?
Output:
8:27
